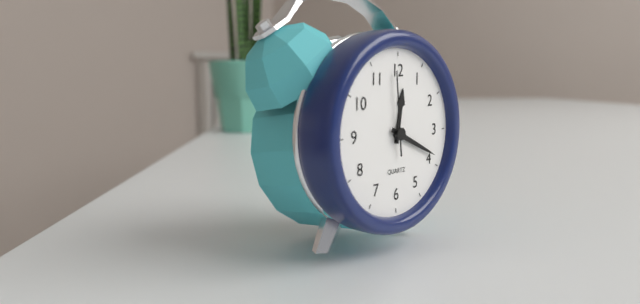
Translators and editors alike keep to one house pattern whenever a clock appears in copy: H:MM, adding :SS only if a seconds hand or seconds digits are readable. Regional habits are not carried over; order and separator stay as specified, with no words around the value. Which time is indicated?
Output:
12:19:59
